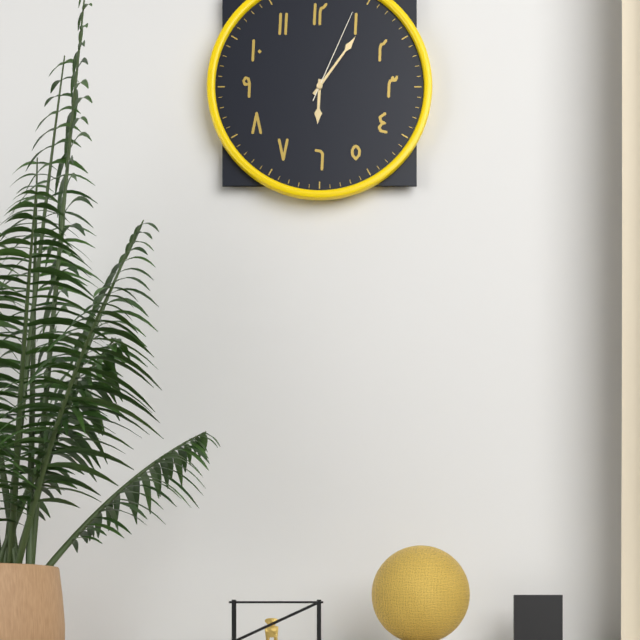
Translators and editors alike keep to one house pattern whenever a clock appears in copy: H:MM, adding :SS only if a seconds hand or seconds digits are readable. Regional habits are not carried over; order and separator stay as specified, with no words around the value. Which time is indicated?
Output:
6:06:04
